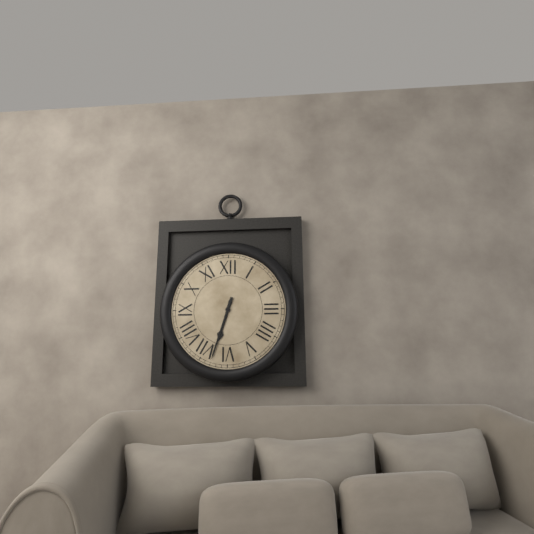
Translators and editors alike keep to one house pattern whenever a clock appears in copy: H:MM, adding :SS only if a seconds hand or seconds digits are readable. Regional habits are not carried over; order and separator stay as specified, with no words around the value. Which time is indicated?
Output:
6:33
